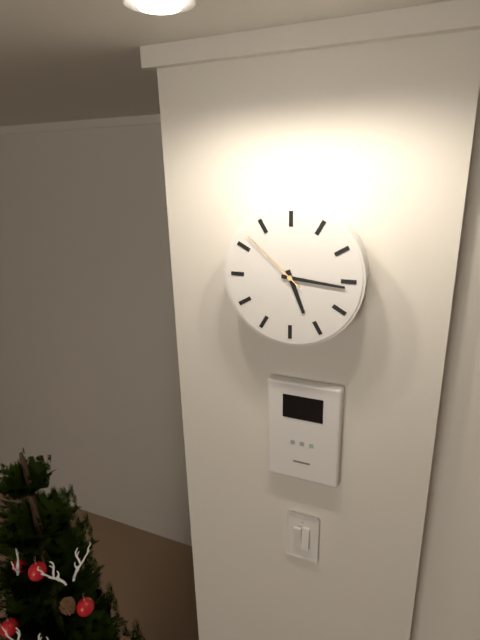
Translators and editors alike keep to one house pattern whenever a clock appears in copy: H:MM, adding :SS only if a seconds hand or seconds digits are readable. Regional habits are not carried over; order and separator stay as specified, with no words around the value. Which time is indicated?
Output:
5:16:52
